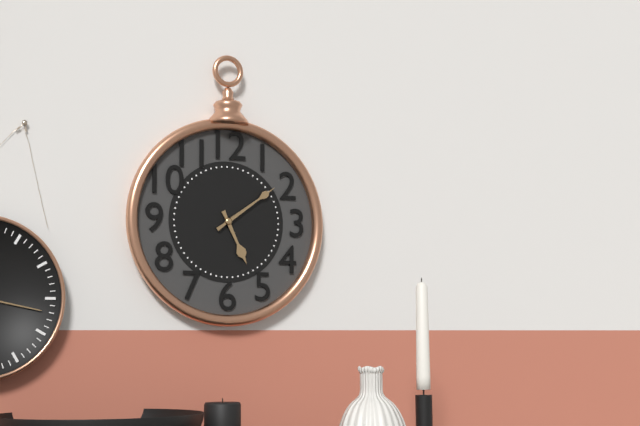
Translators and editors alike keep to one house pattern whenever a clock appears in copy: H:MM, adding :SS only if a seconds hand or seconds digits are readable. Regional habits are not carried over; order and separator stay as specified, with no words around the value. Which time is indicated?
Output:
5:09
